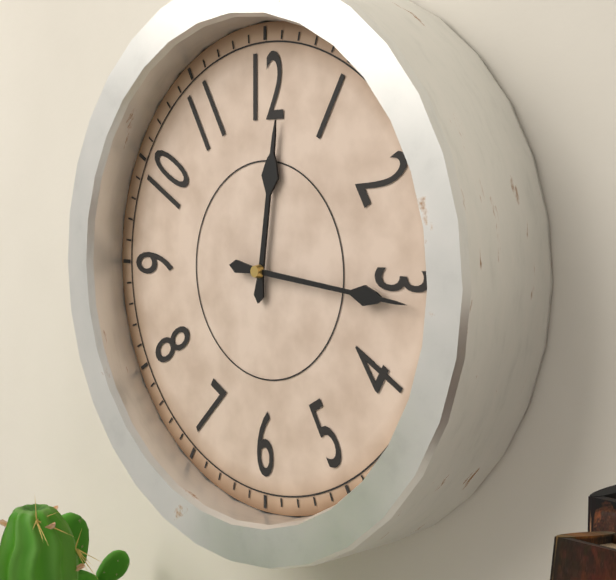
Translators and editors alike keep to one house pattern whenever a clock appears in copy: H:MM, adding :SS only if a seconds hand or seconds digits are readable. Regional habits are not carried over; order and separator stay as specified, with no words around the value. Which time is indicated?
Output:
12:16
